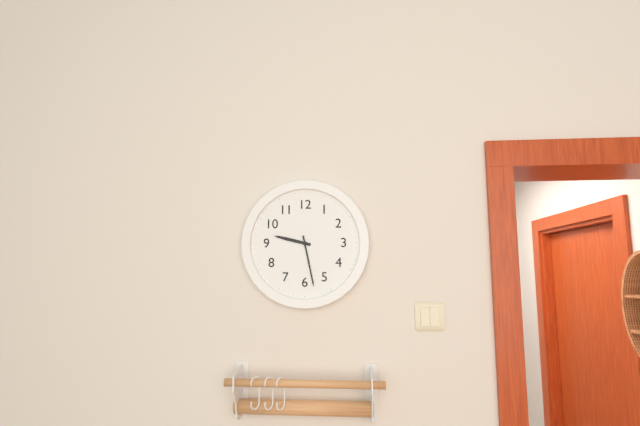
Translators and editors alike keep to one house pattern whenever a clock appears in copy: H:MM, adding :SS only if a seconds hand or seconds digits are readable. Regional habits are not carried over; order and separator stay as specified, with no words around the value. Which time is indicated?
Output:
9:28
